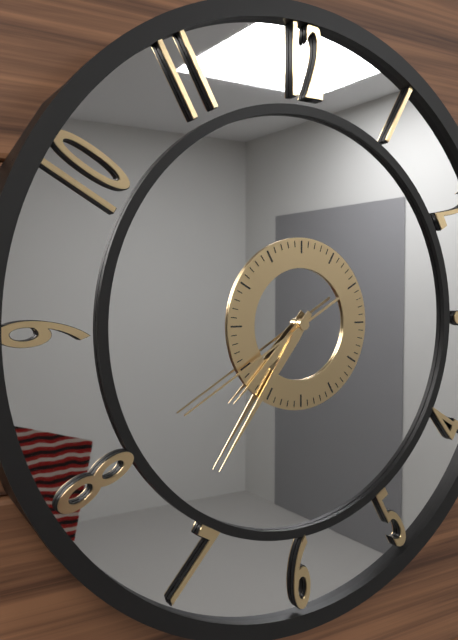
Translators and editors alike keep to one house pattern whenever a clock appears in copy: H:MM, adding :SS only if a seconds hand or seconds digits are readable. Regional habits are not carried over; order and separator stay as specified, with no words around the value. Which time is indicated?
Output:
7:36:40
